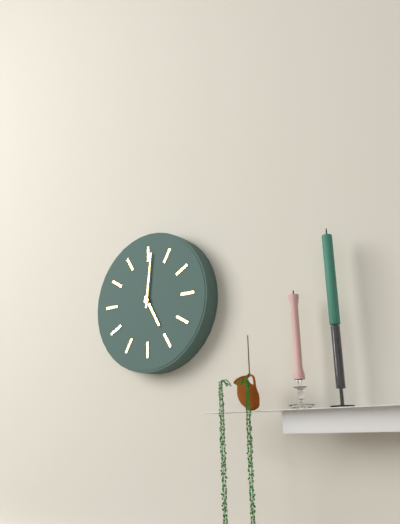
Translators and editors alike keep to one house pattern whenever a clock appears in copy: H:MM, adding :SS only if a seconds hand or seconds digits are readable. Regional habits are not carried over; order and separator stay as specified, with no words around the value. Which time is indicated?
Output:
5:01
